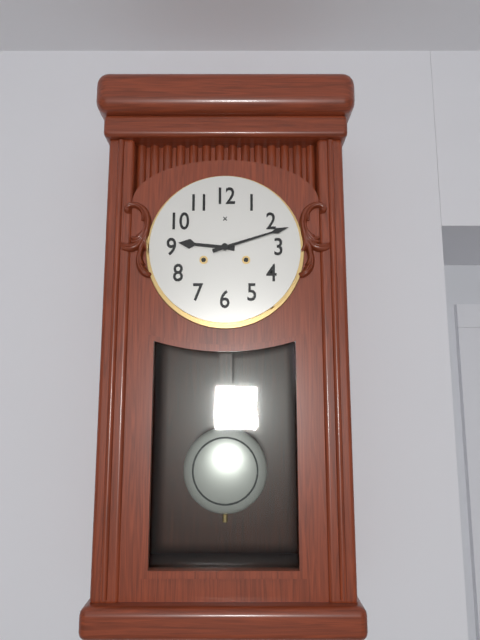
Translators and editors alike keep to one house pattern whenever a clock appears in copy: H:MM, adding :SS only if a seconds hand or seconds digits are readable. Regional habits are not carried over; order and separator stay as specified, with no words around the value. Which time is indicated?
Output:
9:12
